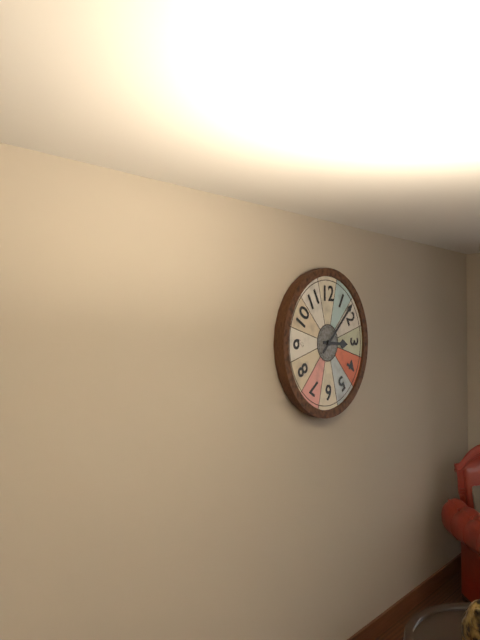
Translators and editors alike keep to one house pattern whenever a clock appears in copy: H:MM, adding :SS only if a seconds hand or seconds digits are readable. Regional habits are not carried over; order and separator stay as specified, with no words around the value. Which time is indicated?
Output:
3:08
